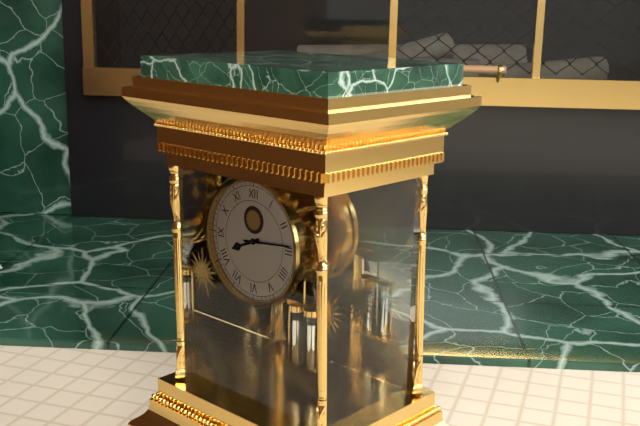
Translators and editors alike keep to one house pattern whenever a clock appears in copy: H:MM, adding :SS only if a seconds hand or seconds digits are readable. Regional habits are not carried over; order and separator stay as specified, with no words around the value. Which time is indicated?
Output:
8:14
